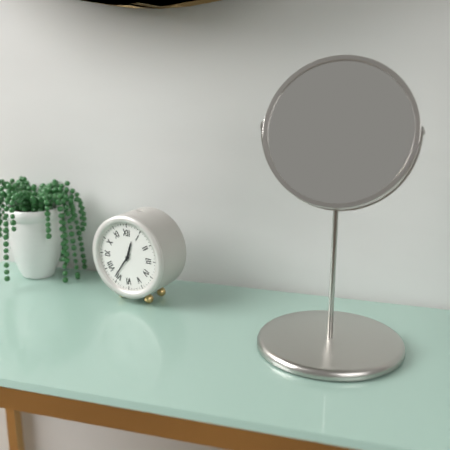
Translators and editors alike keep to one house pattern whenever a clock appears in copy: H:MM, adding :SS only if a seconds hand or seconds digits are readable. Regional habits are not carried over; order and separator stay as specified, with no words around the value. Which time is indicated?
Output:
12:36
